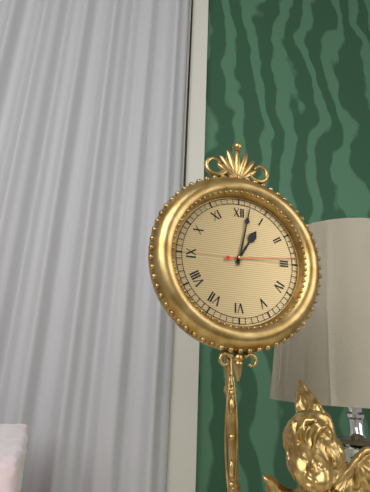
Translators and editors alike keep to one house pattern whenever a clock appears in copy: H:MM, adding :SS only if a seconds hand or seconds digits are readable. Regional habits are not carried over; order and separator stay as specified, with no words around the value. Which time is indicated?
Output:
1:02:14
